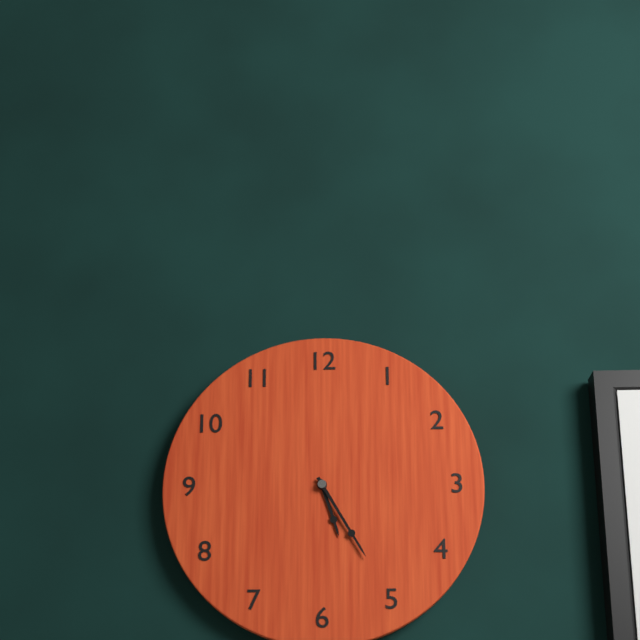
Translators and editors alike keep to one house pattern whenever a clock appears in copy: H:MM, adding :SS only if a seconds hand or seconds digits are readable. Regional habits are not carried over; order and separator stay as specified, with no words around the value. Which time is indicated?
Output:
5:25
